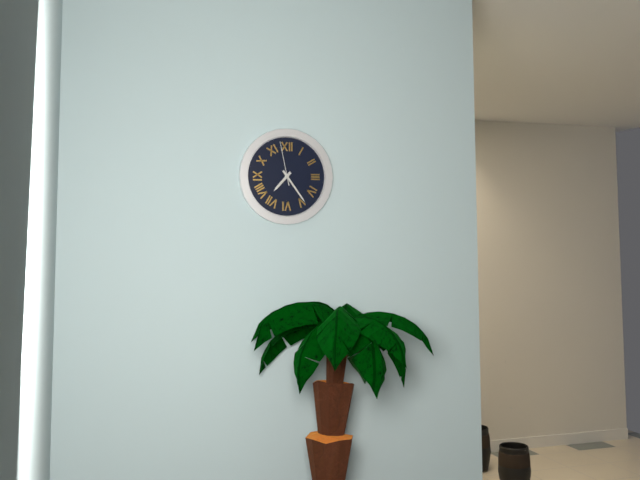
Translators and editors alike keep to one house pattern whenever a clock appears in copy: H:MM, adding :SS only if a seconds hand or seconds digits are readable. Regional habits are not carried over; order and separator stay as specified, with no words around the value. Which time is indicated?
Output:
7:24
